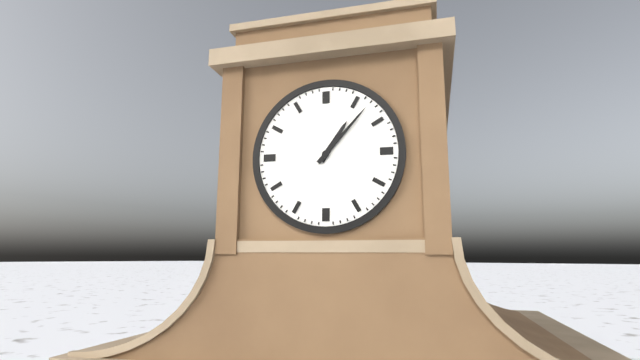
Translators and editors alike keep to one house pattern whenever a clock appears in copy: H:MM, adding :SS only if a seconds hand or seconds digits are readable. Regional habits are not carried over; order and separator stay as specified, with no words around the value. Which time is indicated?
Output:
1:07
